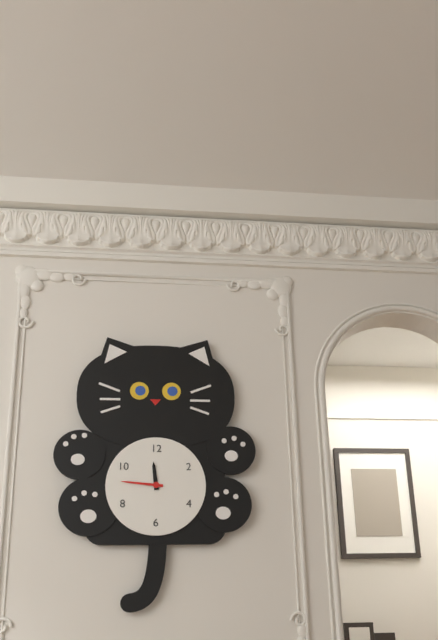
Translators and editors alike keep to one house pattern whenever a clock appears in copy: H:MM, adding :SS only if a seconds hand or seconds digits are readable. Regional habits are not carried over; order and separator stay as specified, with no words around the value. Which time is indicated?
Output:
11:46
